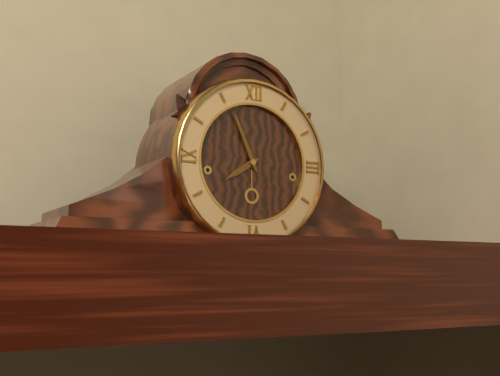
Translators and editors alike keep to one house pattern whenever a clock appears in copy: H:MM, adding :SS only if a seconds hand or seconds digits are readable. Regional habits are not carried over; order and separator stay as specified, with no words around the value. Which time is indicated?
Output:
7:56
